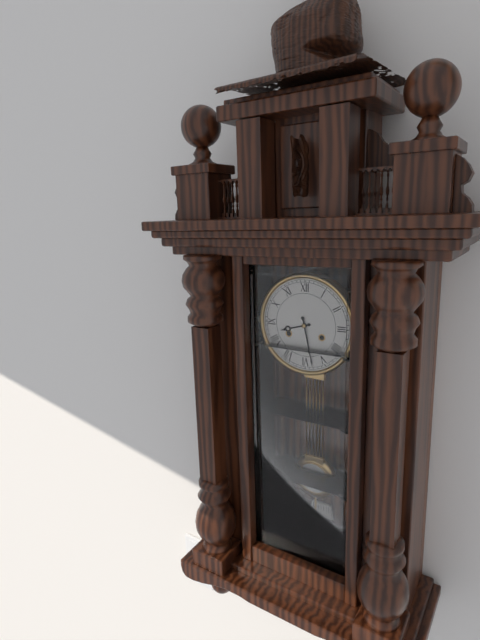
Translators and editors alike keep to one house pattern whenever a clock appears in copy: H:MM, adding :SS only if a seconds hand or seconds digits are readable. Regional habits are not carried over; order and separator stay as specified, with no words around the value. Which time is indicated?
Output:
8:28
